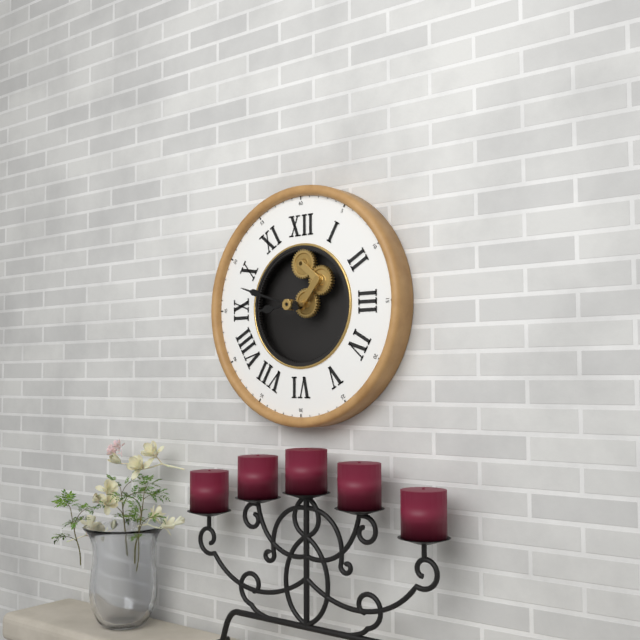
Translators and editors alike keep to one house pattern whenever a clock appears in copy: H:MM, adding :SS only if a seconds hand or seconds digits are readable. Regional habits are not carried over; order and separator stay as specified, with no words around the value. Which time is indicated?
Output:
8:48
